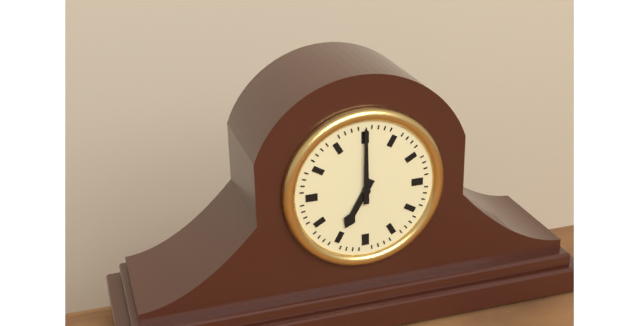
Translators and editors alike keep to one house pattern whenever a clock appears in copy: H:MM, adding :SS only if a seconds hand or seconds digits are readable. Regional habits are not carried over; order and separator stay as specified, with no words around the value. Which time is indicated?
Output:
7:00
